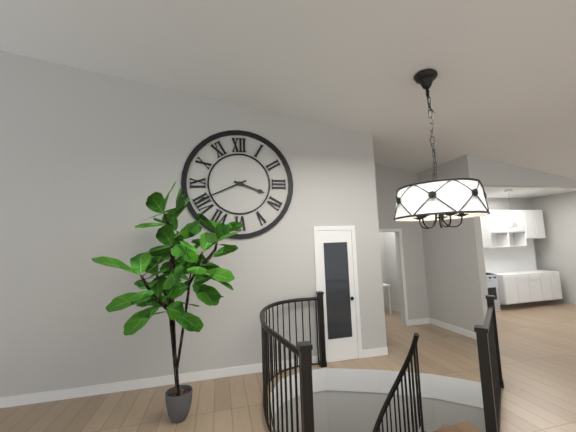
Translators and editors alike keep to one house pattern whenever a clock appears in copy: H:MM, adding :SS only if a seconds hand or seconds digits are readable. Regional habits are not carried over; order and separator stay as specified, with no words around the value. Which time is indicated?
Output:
3:41
